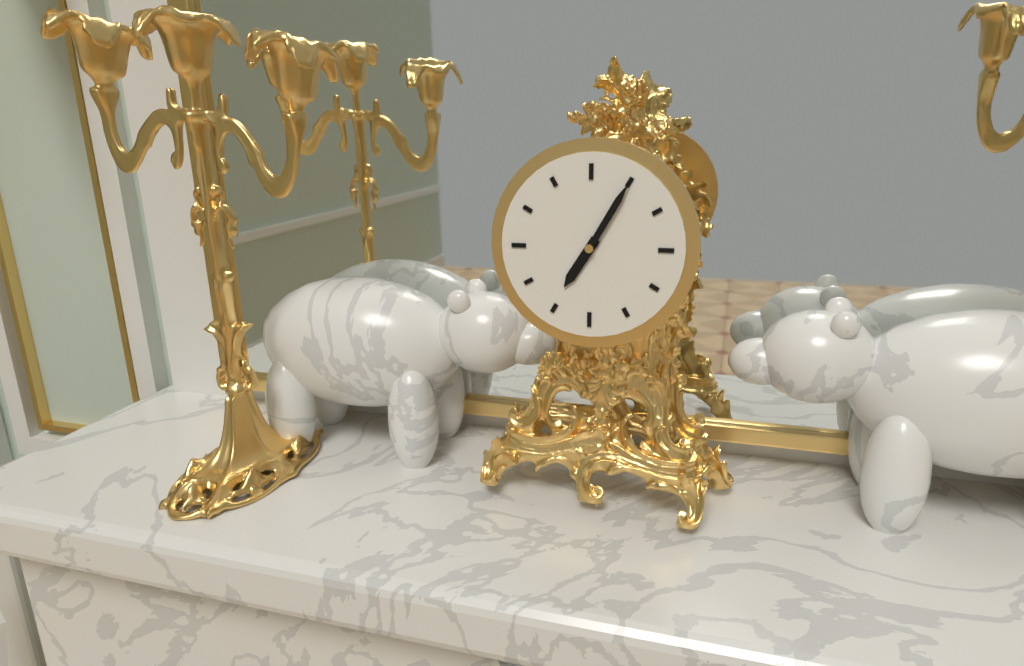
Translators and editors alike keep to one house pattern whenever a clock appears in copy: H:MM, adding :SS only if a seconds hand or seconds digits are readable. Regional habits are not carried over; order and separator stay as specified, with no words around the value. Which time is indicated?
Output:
7:05
